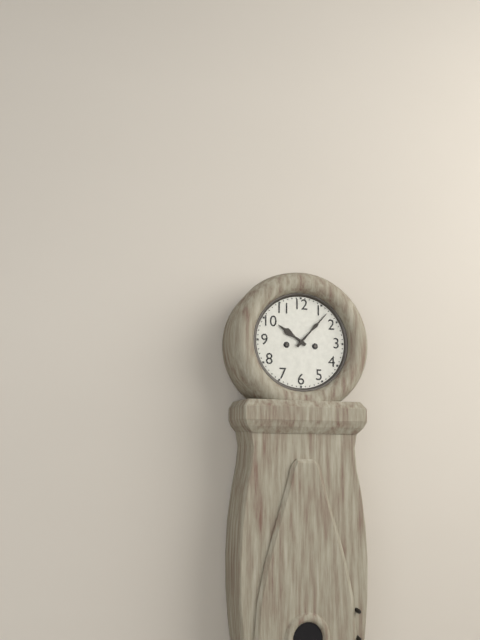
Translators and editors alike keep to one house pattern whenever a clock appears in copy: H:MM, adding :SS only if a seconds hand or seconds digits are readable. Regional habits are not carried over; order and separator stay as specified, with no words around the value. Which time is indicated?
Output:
10:07
